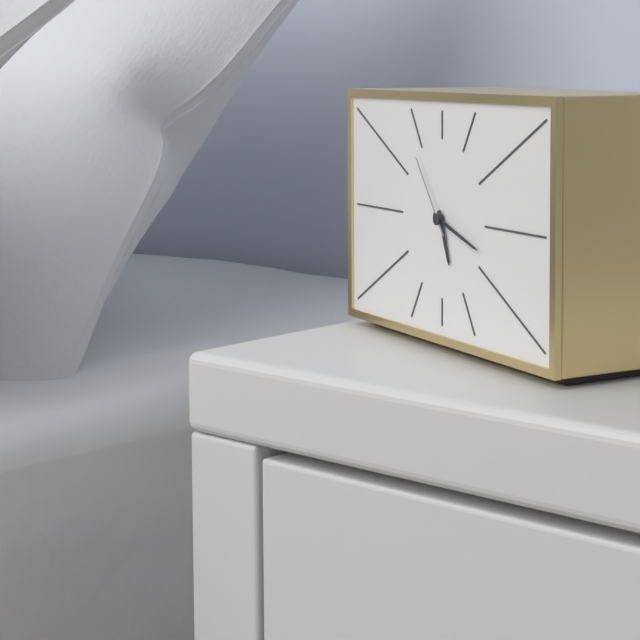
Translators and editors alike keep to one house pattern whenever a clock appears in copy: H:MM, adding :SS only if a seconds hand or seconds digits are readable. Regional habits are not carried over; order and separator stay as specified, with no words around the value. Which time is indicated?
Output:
5:18:54
